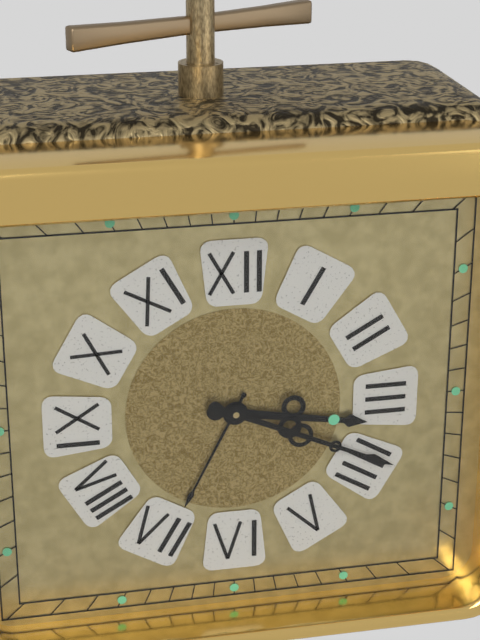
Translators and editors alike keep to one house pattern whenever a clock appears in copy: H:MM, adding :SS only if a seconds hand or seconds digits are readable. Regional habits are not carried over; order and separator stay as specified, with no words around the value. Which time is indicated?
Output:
3:19
